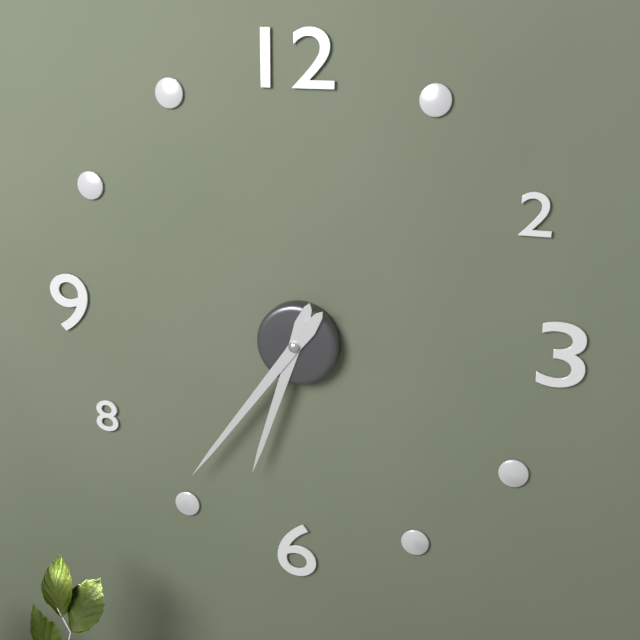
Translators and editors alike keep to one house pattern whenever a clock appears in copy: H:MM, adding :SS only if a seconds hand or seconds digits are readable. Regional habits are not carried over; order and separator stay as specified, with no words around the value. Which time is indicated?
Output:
6:36
